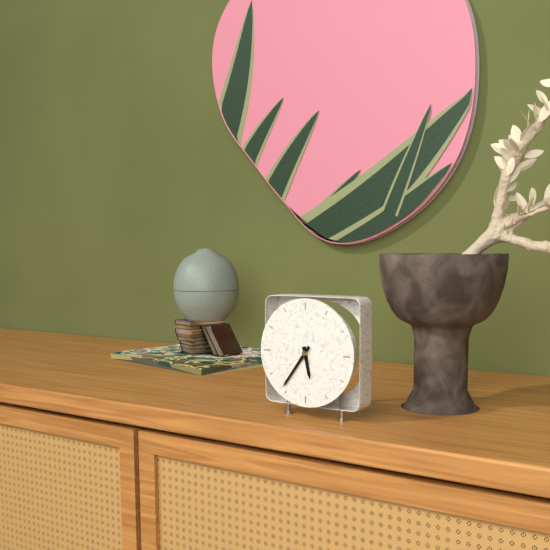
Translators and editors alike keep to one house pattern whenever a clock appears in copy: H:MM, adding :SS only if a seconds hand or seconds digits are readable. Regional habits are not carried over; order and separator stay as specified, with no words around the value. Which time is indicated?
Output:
5:36
